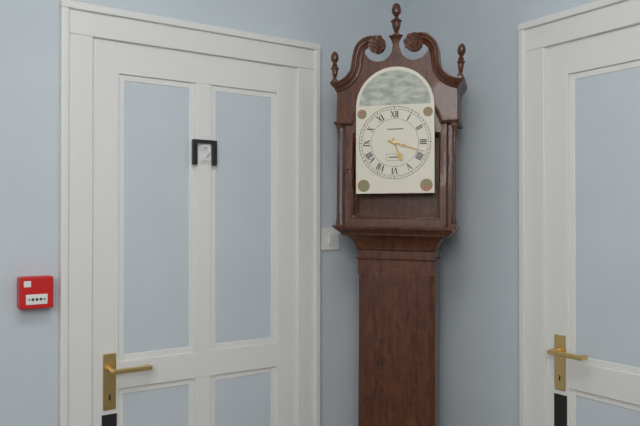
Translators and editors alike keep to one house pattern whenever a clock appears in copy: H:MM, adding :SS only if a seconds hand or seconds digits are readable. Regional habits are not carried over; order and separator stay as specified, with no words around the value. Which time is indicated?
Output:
5:18
